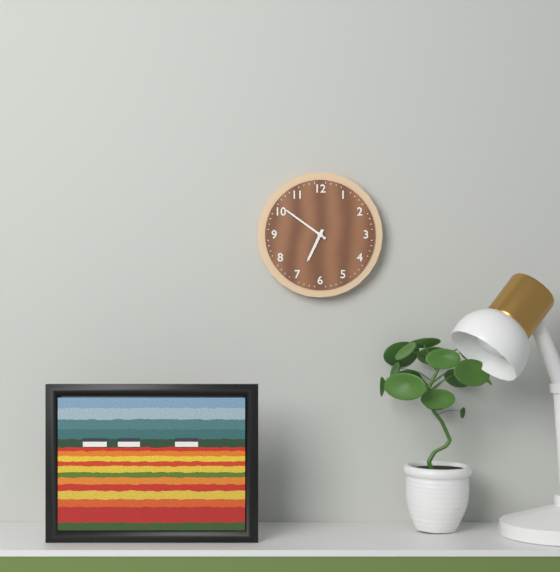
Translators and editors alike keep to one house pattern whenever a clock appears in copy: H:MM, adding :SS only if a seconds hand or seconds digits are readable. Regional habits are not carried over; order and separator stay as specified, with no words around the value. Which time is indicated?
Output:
6:51
